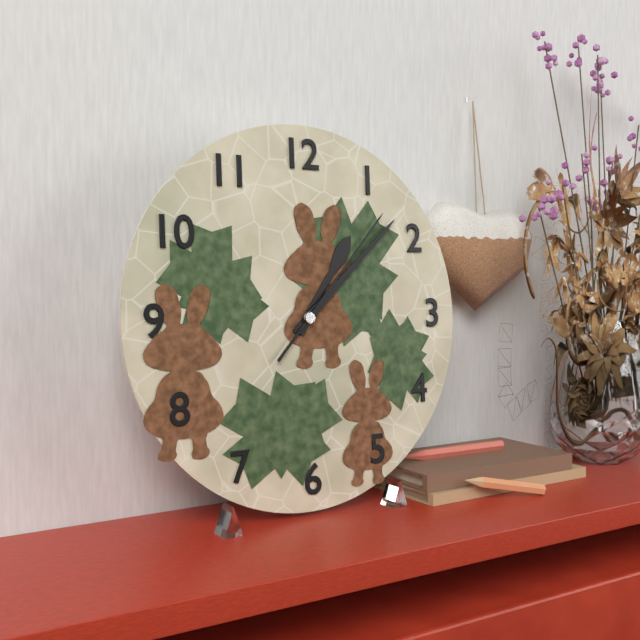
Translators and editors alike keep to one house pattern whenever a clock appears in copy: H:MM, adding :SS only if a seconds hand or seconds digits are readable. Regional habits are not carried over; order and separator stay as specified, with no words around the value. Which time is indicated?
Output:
1:08:07
